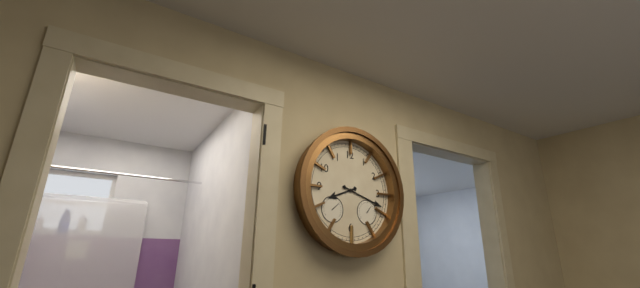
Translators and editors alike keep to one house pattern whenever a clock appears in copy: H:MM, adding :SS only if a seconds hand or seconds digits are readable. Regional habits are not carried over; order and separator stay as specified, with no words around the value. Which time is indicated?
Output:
8:18
